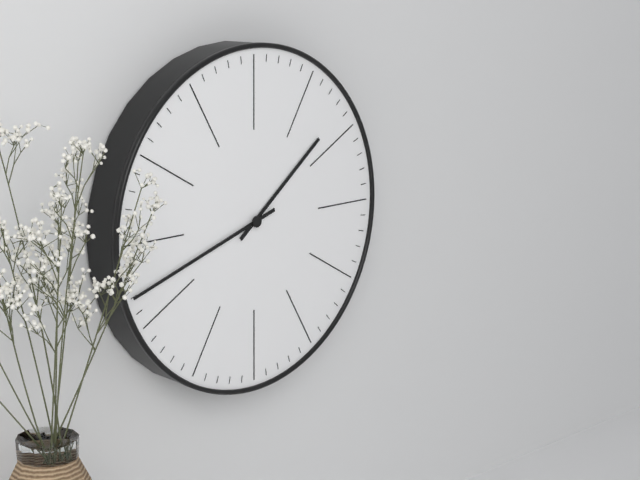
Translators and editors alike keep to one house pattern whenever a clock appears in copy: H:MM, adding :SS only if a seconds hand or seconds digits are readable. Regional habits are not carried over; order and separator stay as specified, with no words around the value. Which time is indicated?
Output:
1:42
